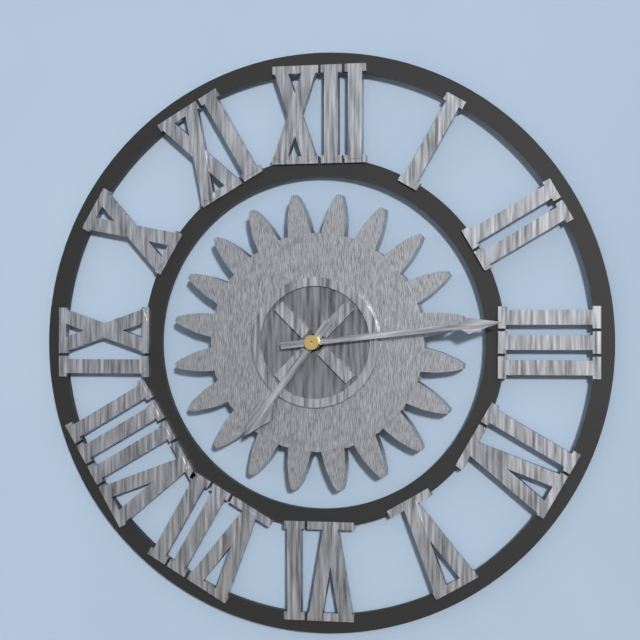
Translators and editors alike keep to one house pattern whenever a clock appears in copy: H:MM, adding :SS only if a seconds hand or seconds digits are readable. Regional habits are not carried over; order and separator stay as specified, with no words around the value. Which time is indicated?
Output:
7:14
